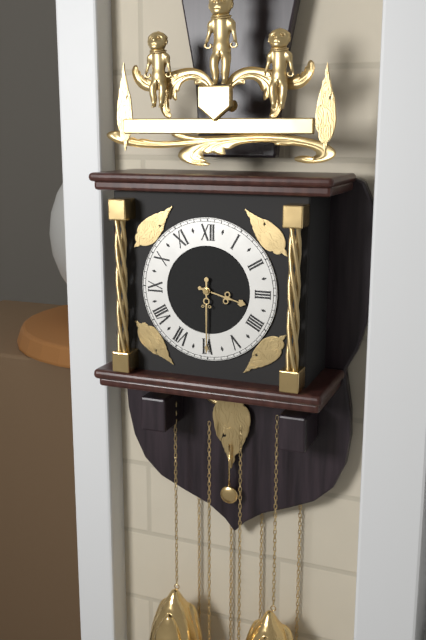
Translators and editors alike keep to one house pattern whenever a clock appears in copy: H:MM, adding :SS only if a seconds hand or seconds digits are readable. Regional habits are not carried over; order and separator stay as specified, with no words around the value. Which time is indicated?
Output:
3:30
